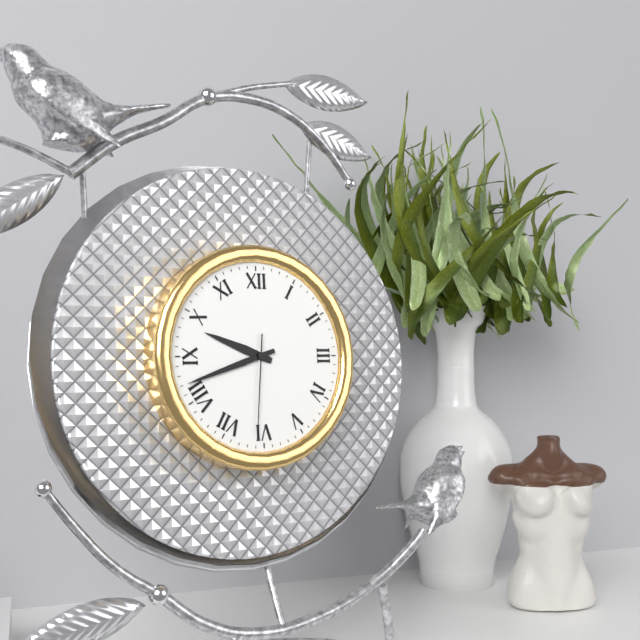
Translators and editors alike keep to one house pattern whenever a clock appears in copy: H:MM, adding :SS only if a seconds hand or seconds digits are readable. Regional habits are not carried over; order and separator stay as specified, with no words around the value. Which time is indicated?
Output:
9:42:31
